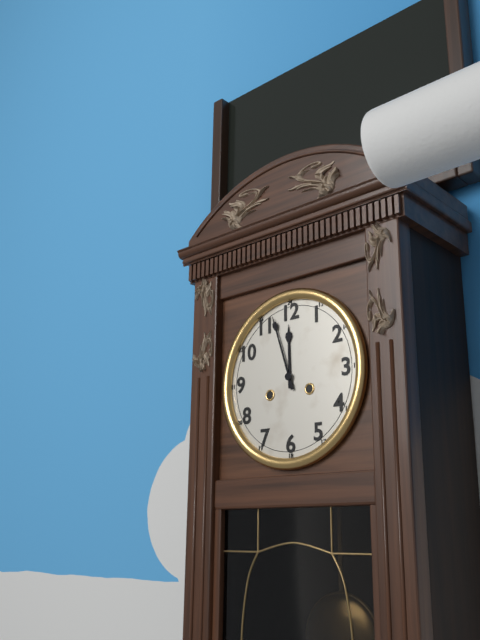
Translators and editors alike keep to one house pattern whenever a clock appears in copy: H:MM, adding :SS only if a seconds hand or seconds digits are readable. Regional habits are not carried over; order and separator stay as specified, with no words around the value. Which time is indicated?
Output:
11:57
